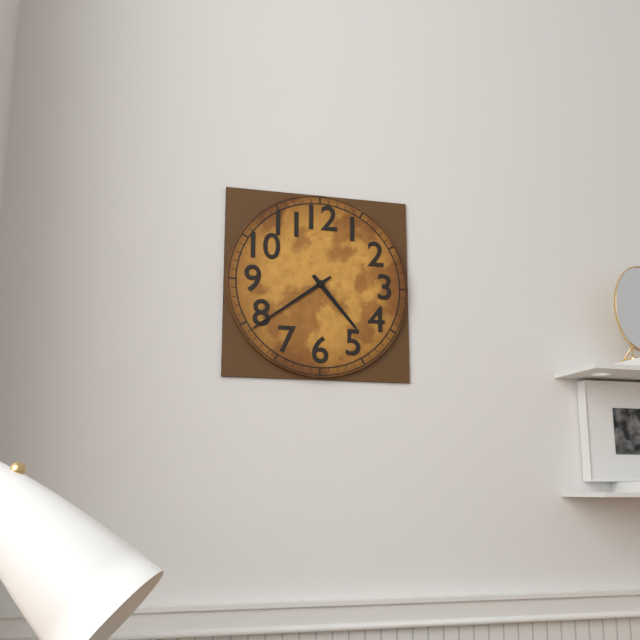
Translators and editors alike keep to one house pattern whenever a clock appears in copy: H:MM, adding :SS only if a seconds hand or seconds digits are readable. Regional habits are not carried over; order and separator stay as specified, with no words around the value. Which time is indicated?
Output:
4:39
